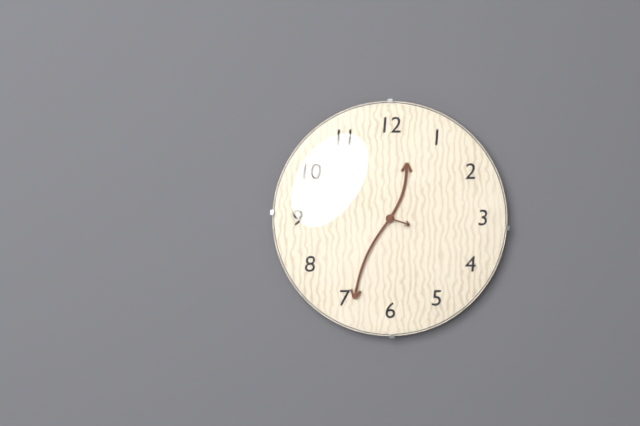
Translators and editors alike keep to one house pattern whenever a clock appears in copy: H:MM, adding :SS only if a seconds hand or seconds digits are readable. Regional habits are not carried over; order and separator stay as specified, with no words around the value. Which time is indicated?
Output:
12:34
